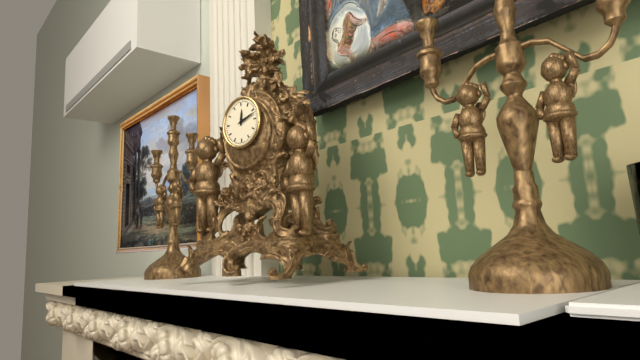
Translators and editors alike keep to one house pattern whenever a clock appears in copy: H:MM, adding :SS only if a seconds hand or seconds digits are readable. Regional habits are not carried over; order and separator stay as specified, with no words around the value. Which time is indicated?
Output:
12:12
